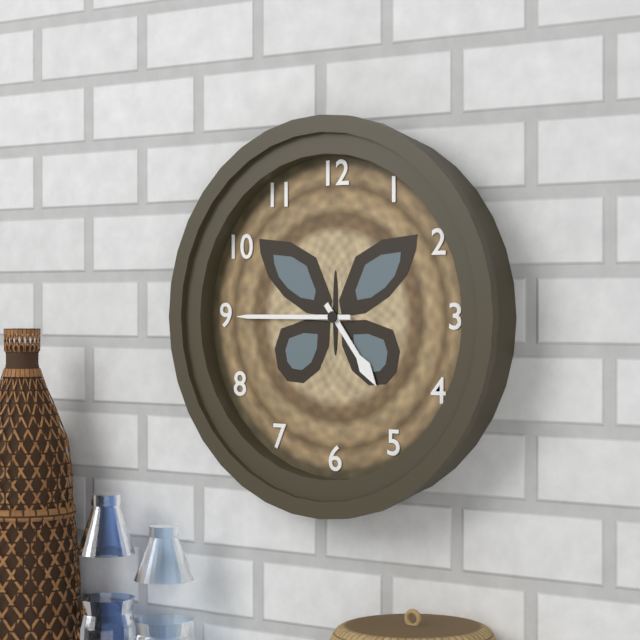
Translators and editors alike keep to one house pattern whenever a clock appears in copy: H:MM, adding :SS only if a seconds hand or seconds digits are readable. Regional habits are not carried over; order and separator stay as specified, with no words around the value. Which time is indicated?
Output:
4:45
